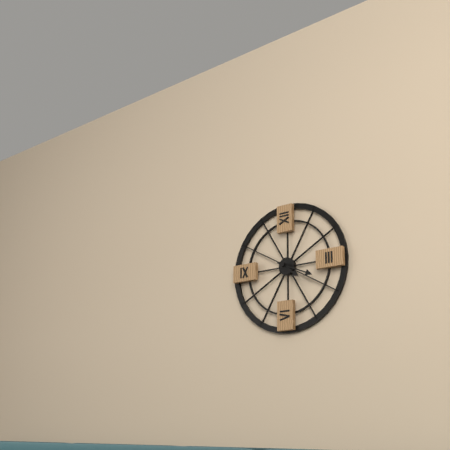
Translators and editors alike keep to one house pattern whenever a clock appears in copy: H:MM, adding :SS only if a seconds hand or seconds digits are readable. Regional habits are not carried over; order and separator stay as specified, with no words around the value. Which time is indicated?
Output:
4:19
